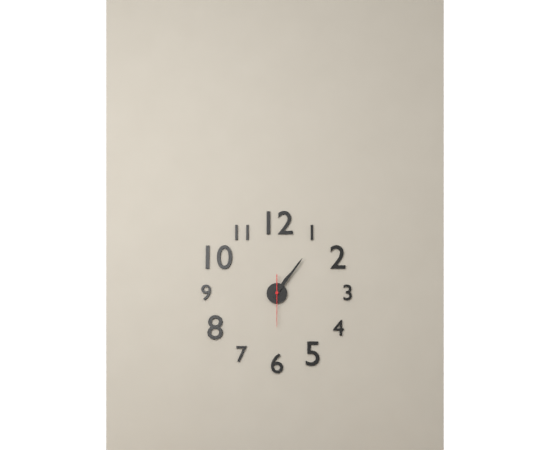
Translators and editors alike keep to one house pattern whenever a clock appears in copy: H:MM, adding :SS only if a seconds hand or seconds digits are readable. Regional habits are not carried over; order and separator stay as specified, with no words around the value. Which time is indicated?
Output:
1:06
